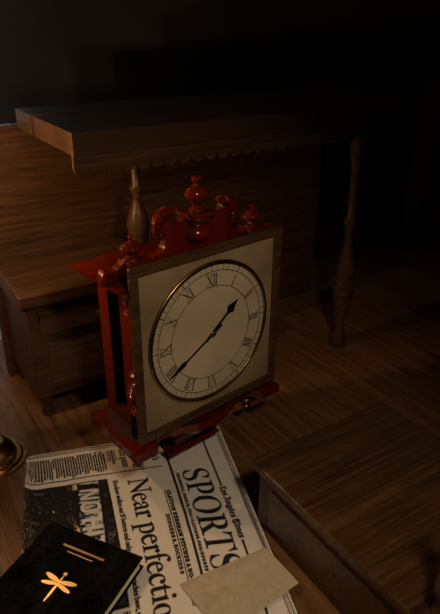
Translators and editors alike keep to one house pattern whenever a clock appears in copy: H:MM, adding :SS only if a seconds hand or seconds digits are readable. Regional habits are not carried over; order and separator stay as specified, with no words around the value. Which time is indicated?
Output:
1:40
